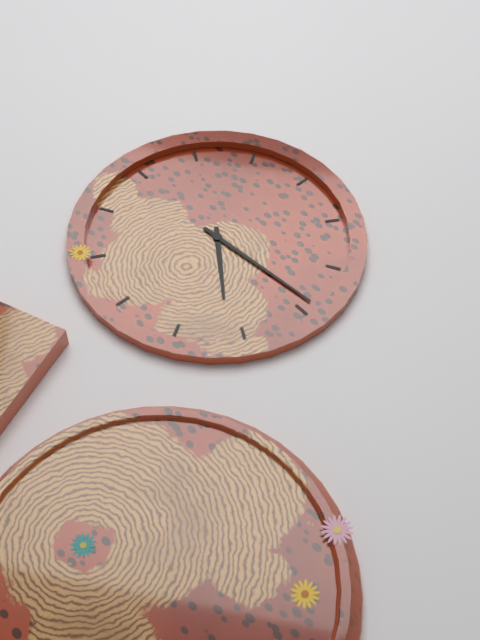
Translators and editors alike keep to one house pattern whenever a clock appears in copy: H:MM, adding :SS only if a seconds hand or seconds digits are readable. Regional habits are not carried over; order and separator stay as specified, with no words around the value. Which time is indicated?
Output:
4:14
